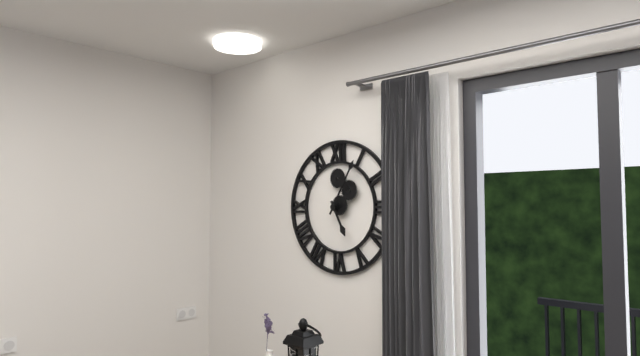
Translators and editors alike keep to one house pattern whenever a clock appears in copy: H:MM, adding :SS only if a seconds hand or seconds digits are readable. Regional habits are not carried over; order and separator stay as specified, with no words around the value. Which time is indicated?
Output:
5:05
